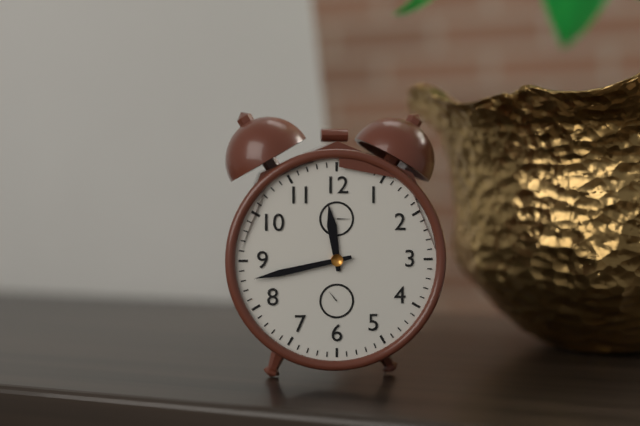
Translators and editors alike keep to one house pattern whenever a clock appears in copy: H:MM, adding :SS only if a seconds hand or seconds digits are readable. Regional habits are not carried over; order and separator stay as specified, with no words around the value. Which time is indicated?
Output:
11:43
